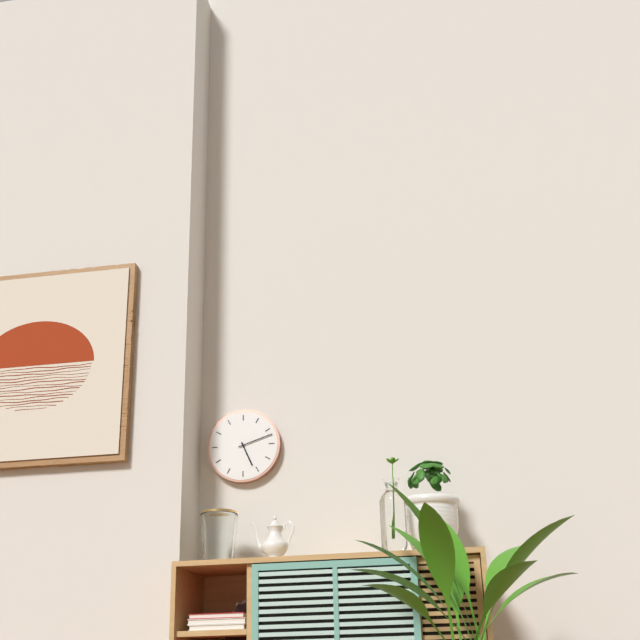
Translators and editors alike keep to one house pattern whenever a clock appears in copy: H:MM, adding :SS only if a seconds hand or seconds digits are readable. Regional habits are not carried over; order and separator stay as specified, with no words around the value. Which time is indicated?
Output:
5:12
